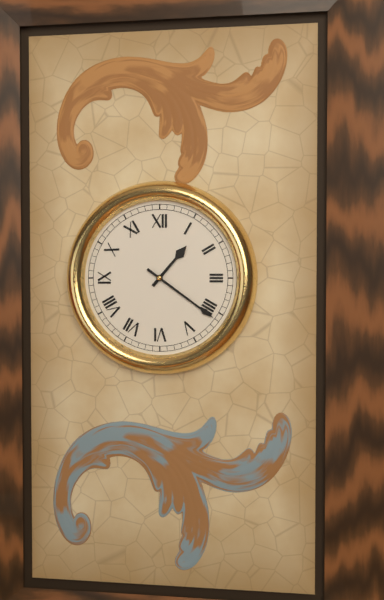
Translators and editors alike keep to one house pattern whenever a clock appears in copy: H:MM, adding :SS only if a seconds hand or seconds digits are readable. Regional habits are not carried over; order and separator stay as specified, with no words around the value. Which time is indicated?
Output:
1:21
